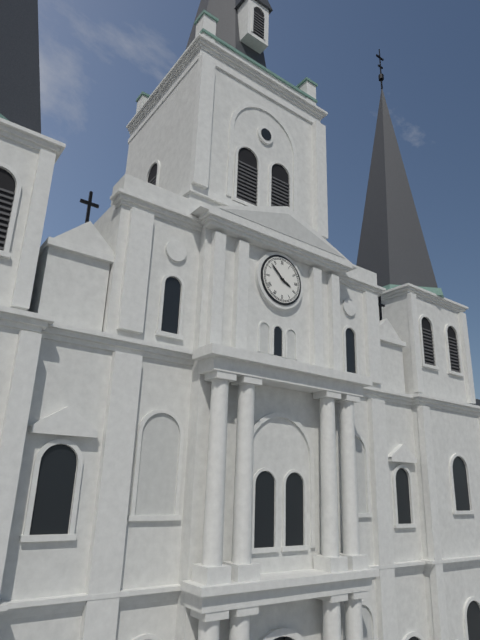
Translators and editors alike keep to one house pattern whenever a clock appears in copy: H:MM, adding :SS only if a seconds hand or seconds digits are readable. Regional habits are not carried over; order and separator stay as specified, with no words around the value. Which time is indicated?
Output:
3:52
